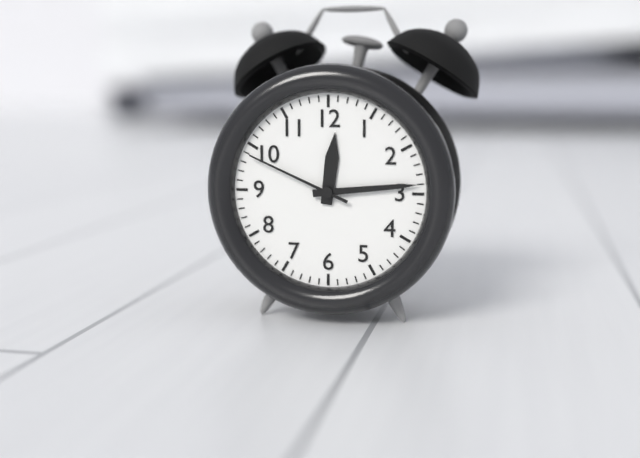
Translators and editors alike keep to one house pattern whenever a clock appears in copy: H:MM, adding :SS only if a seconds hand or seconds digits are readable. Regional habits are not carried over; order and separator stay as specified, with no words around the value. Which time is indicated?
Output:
12:14:49
